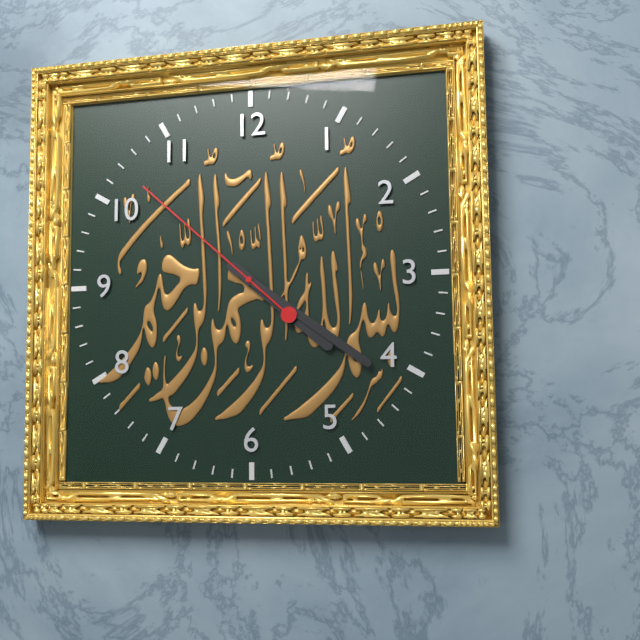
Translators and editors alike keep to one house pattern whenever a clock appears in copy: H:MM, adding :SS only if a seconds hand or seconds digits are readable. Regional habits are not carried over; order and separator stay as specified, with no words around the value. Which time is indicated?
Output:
4:21:52
